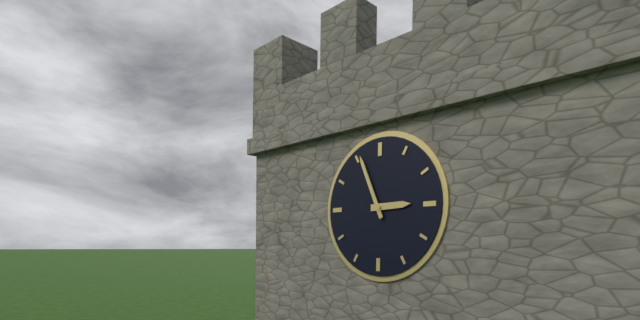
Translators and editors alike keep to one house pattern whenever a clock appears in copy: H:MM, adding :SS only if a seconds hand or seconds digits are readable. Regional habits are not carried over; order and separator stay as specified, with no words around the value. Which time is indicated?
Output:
2:56
